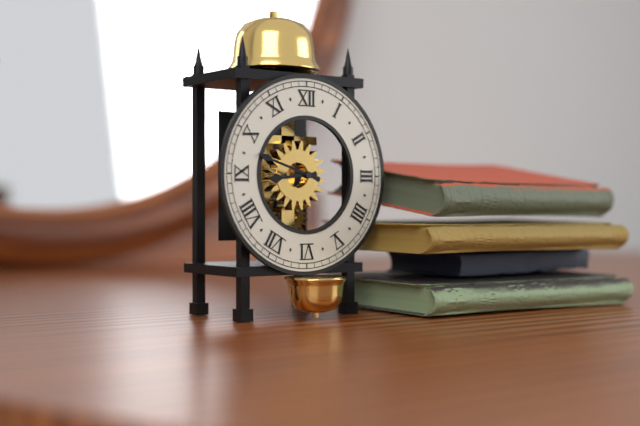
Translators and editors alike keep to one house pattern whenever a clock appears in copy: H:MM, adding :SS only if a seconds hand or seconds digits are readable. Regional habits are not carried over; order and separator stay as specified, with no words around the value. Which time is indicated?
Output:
8:48
